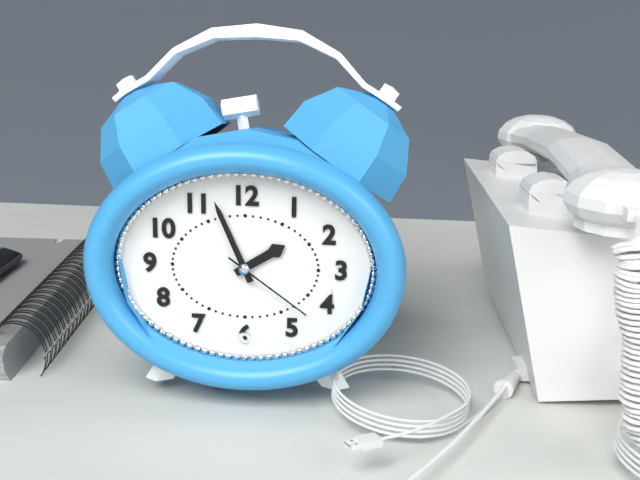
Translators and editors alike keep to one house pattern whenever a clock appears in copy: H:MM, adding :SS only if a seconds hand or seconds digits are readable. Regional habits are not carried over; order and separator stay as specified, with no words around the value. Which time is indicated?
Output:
1:56:21
